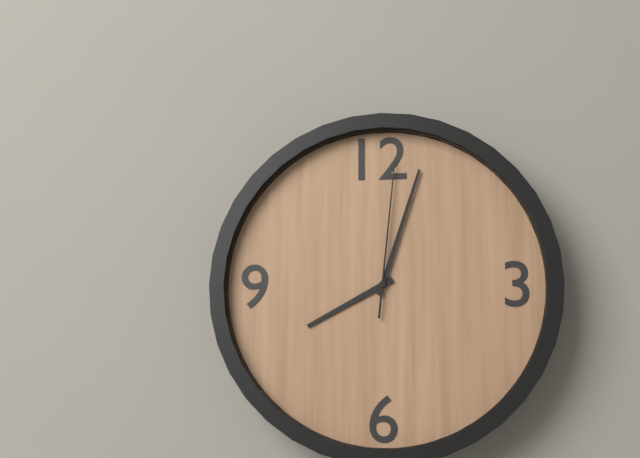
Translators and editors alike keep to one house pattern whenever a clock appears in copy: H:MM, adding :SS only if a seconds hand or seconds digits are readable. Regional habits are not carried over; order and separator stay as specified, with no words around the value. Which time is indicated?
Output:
8:03:01
